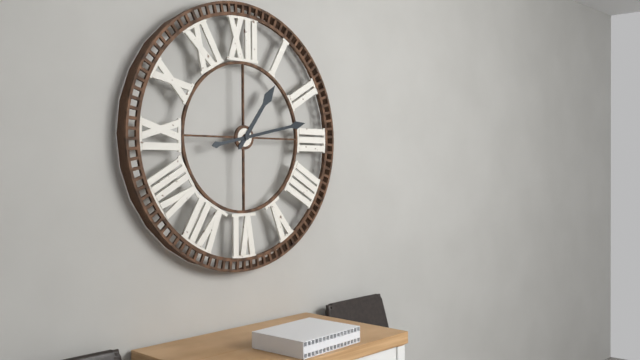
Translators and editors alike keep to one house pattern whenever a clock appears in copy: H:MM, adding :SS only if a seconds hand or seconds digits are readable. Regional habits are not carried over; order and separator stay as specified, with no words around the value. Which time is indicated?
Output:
1:13
